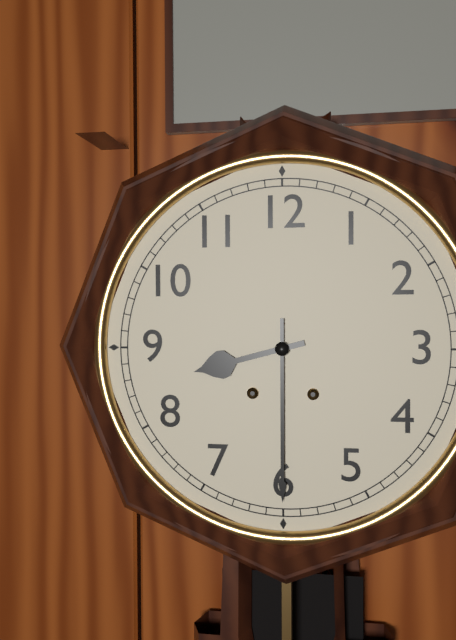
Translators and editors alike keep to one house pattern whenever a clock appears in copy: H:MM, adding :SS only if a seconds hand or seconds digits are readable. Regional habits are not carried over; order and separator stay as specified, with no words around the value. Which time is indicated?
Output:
8:30
